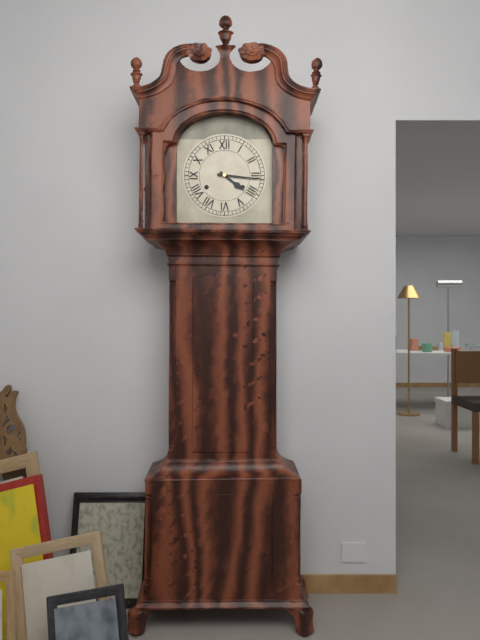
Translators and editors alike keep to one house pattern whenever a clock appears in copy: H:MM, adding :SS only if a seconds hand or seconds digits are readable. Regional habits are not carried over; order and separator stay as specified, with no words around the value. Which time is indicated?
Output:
4:16
